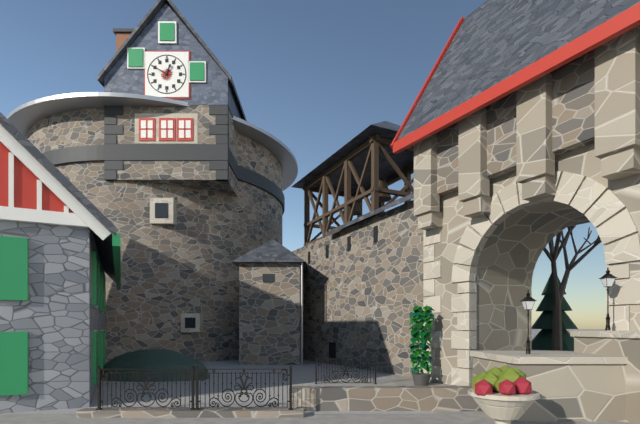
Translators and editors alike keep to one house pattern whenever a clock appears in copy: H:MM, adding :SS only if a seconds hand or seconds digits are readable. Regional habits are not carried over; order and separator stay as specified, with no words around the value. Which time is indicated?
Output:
12:50
